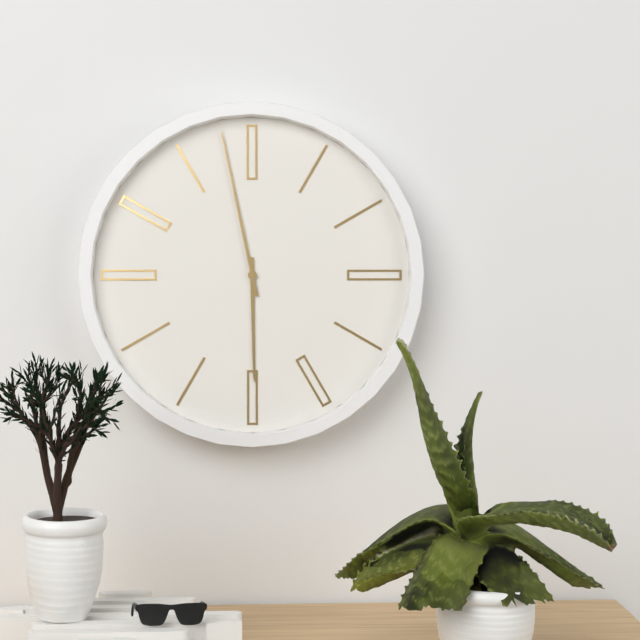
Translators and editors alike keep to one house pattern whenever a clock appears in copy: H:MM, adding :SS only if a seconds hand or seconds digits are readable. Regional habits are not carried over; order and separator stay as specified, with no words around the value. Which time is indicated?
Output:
5:58
